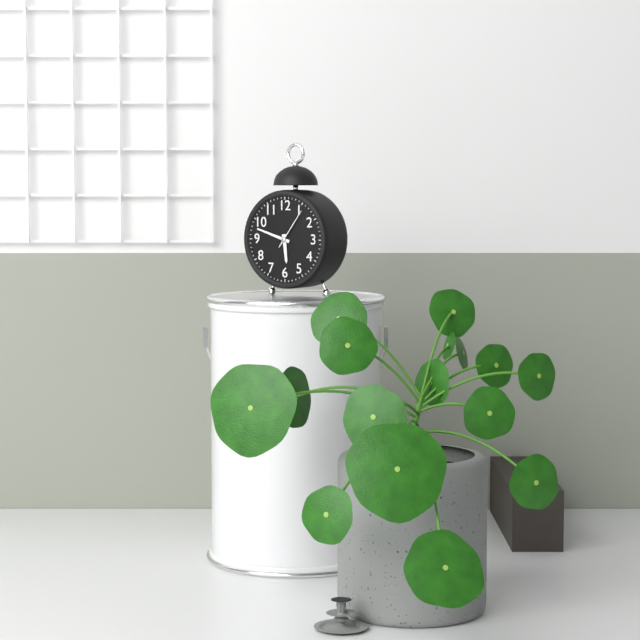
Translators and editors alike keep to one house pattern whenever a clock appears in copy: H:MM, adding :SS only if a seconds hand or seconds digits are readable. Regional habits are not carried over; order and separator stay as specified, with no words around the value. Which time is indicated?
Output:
5:48
